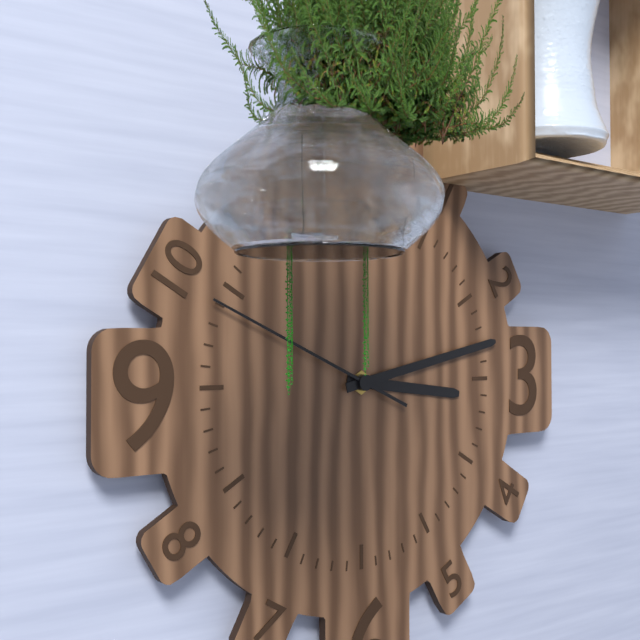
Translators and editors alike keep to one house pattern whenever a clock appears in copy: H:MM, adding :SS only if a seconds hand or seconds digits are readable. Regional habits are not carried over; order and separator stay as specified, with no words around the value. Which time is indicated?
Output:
3:13:49
